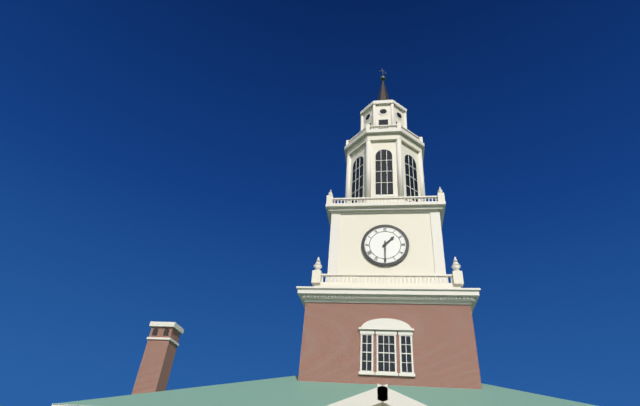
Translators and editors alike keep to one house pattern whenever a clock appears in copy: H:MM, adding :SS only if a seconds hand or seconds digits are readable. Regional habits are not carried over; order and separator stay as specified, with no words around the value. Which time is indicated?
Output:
1:30
